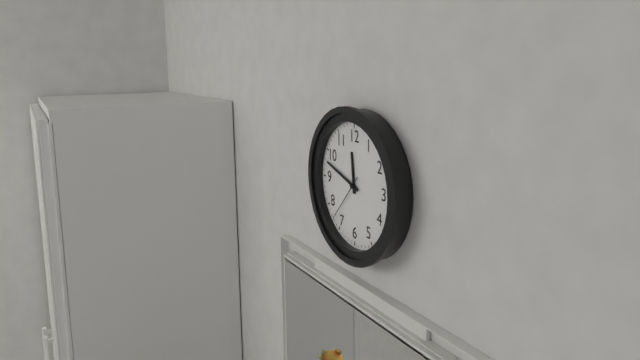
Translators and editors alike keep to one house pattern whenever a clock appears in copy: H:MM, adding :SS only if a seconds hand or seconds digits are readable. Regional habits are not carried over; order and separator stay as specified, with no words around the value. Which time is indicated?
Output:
11:48
